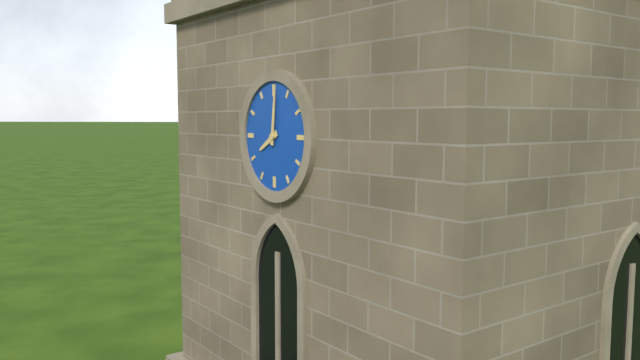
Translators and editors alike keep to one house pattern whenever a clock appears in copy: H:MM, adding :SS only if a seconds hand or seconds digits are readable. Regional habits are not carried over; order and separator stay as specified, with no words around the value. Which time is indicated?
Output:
8:01
